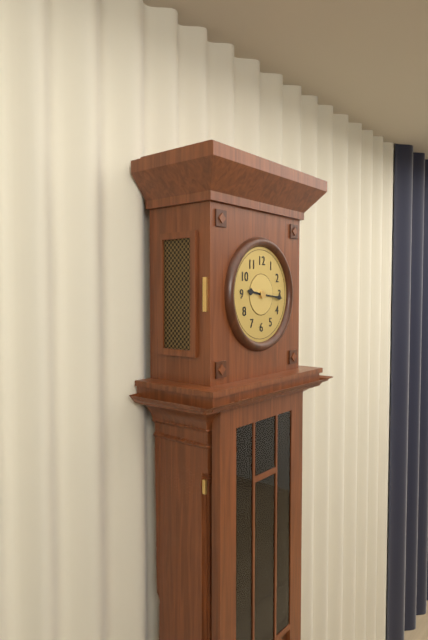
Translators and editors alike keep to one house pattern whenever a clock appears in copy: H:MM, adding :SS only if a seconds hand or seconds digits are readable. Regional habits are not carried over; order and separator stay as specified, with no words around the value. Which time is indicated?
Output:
9:16
